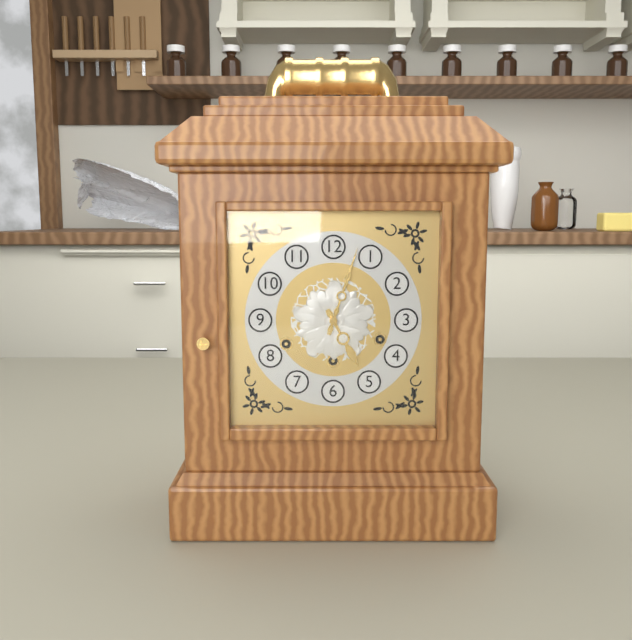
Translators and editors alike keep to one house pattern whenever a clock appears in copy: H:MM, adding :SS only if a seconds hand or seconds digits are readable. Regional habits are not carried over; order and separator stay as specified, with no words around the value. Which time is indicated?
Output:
5:03
